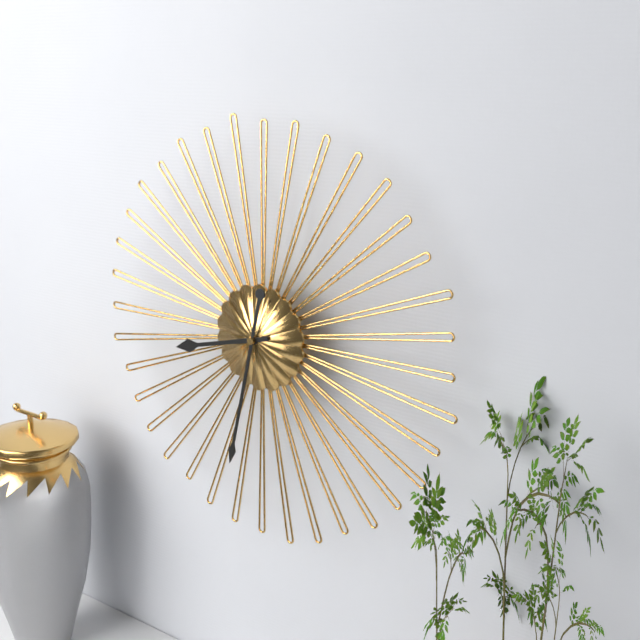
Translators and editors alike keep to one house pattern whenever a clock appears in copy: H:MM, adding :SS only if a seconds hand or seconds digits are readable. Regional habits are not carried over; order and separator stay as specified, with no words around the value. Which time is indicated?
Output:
8:32
